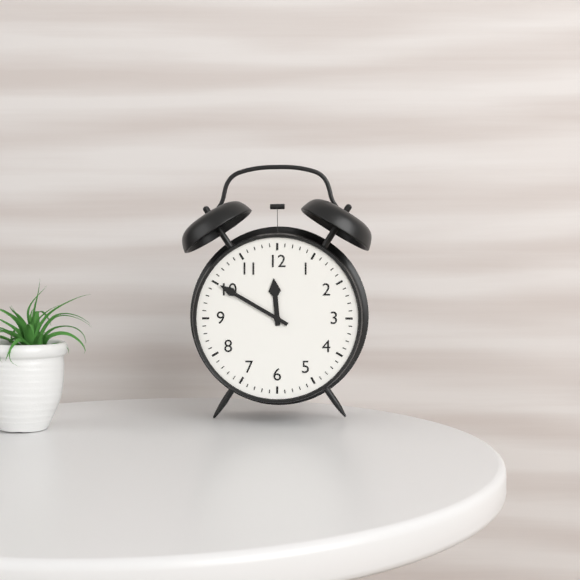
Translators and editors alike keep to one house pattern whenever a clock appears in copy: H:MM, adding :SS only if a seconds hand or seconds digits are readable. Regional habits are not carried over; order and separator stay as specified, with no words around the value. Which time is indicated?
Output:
11:50
